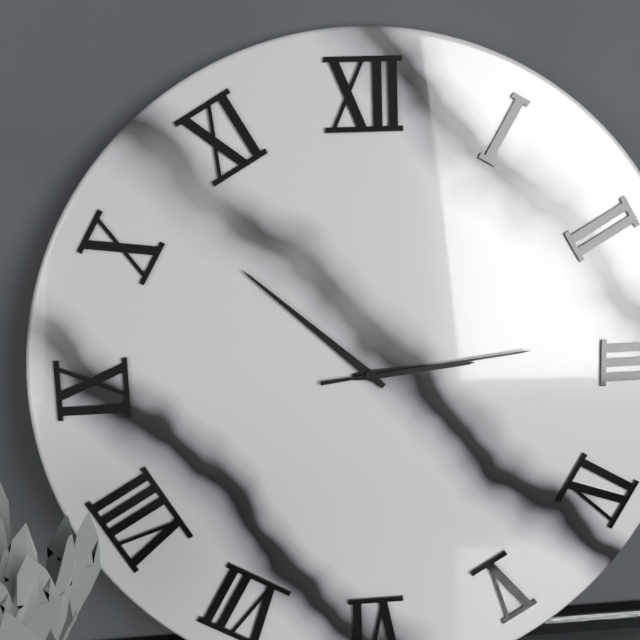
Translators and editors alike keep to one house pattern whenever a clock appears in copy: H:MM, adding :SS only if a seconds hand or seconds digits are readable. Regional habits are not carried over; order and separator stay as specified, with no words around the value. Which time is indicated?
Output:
2:52:14
